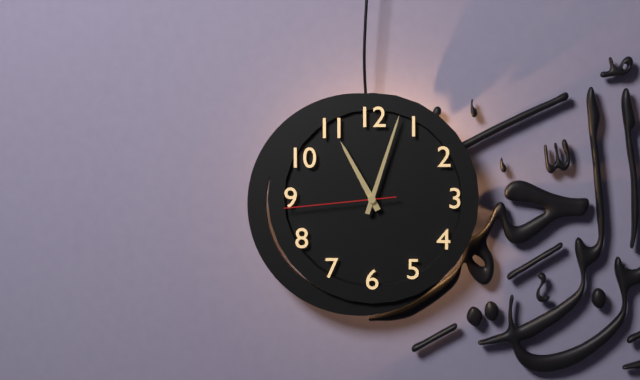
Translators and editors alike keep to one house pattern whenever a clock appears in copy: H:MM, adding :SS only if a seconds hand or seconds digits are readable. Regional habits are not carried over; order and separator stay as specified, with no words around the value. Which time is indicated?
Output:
11:03:44
